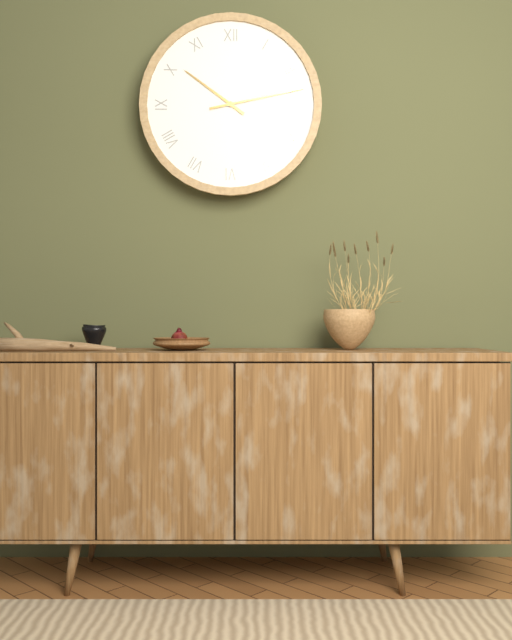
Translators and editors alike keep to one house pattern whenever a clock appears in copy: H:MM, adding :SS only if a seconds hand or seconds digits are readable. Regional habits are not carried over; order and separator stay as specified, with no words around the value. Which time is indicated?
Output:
10:13
